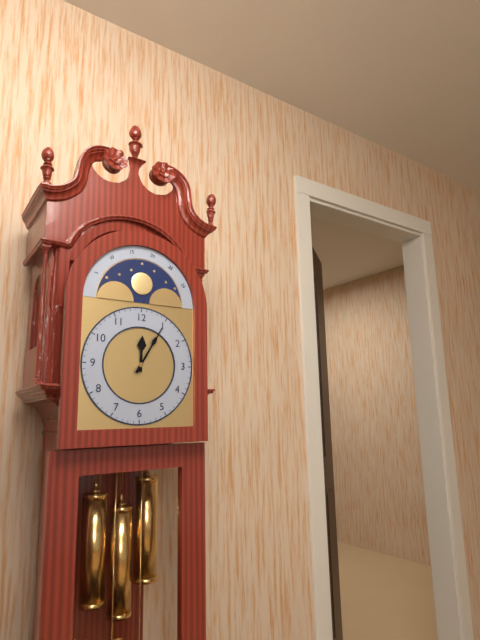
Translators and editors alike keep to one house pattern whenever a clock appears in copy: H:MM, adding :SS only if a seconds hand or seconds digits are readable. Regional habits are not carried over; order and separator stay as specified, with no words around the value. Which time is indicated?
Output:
12:05
